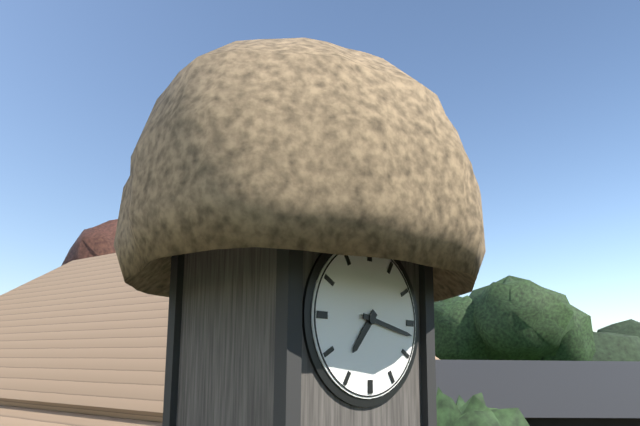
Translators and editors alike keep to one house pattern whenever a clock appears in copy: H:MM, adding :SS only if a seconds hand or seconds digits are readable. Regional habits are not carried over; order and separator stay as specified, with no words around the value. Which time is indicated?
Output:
7:17
